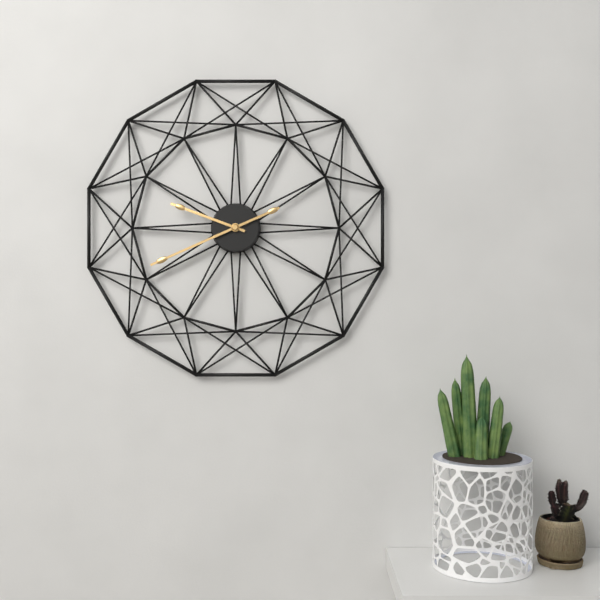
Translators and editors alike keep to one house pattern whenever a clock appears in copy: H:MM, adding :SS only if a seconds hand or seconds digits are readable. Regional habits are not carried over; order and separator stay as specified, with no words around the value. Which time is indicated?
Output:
9:41
